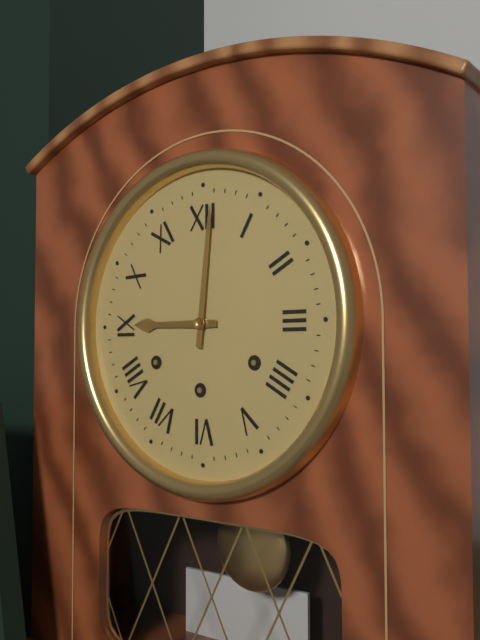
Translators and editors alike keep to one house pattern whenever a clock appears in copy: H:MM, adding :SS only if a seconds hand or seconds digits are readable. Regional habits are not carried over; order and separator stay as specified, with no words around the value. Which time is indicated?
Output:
9:01
